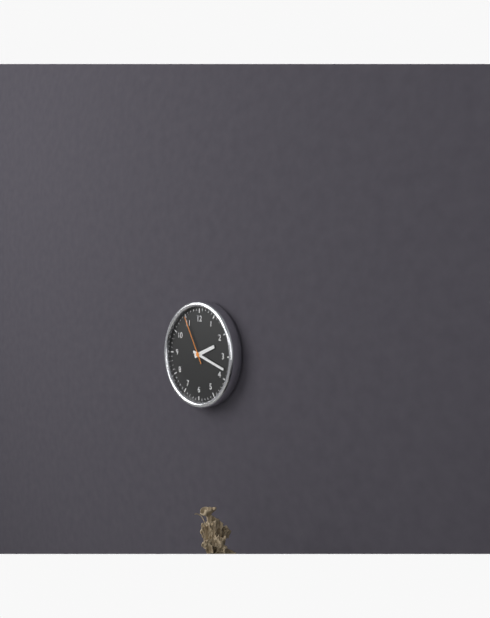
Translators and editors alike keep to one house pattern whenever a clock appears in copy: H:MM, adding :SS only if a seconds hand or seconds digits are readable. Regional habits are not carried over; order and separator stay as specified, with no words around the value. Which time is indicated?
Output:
2:18:55
